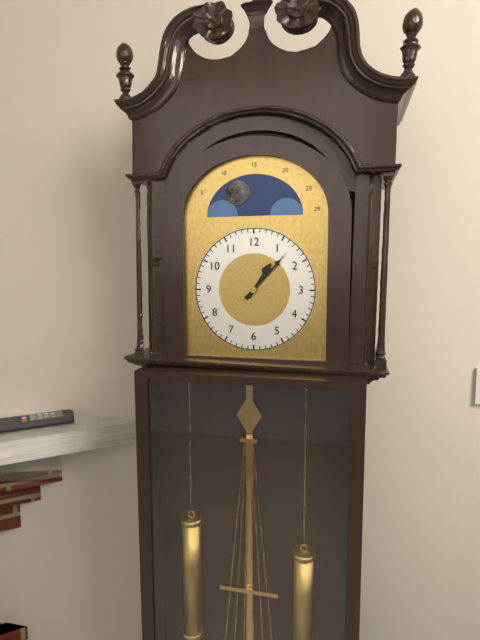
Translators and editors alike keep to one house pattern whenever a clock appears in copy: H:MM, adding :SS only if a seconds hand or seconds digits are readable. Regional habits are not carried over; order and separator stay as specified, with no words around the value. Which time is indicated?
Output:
1:07
